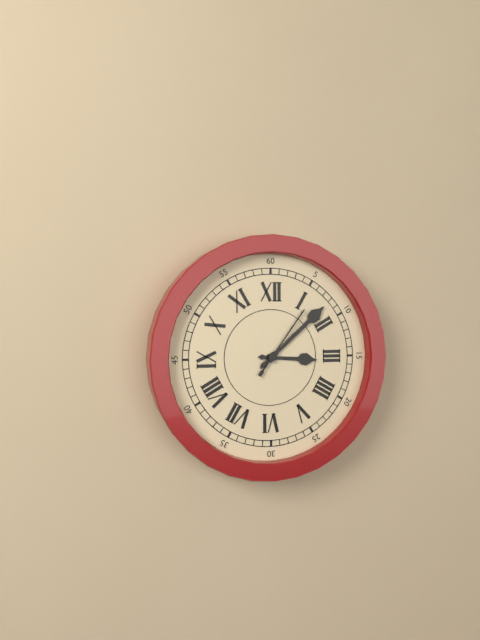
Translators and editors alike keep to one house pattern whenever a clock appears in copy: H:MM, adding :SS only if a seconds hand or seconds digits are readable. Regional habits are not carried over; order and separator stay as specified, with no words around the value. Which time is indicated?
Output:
3:08:06
